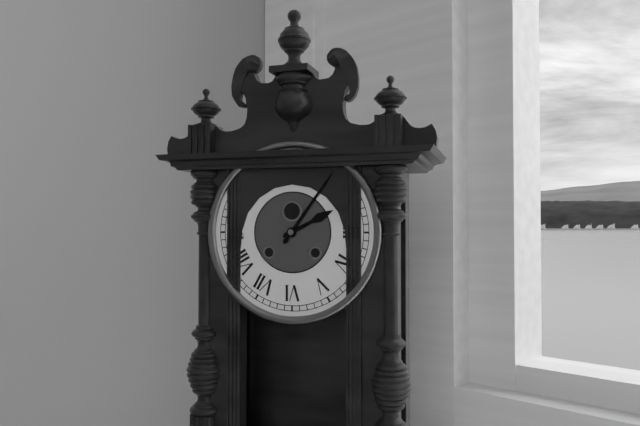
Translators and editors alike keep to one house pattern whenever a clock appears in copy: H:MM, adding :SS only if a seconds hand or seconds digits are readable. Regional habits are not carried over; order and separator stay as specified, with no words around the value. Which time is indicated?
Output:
2:06
